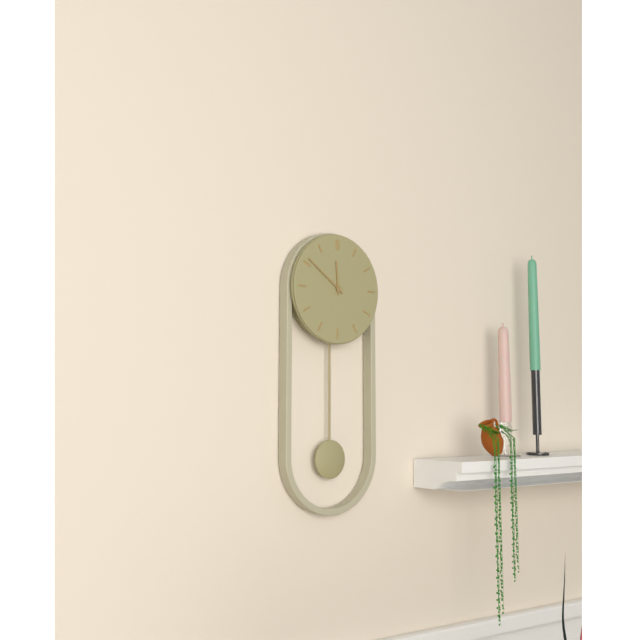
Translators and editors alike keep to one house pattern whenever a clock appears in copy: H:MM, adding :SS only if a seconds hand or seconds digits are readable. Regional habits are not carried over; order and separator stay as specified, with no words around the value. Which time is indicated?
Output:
11:51
